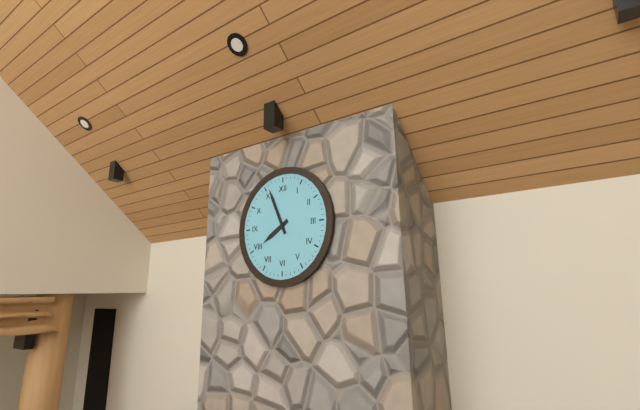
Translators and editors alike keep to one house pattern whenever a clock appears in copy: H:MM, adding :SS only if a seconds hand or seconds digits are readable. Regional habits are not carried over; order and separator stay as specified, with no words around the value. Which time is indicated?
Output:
7:56
